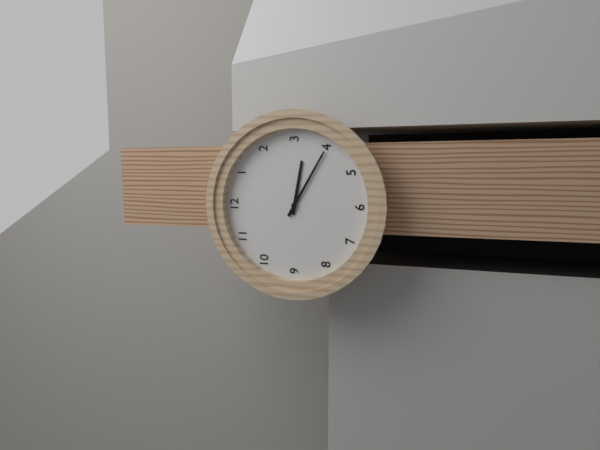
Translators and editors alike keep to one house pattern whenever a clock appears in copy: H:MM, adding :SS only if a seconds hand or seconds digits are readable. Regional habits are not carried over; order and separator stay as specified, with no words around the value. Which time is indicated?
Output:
3:20
